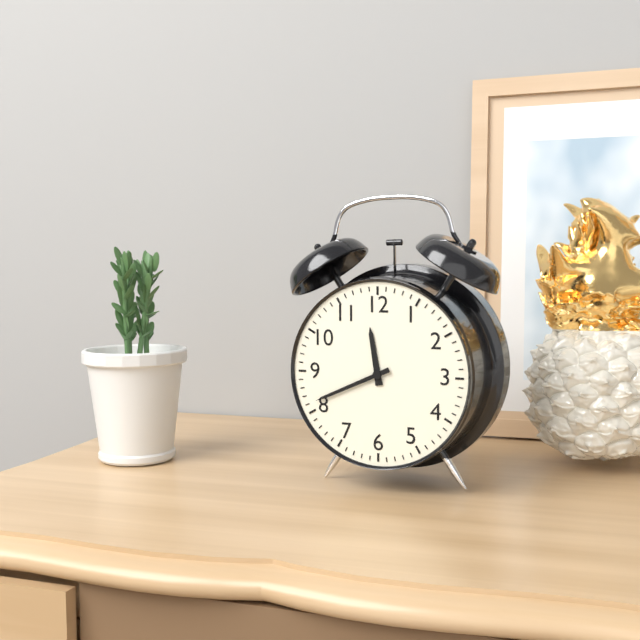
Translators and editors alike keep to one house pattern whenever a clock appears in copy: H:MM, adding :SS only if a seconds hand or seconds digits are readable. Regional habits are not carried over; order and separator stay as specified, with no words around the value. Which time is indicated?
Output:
11:41
